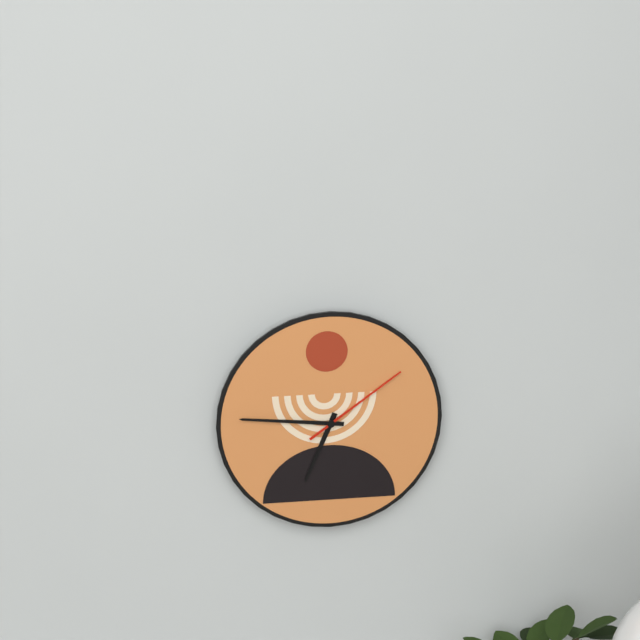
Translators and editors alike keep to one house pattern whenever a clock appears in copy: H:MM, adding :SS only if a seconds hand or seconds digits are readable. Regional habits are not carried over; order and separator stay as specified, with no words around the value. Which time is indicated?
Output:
6:46:09
